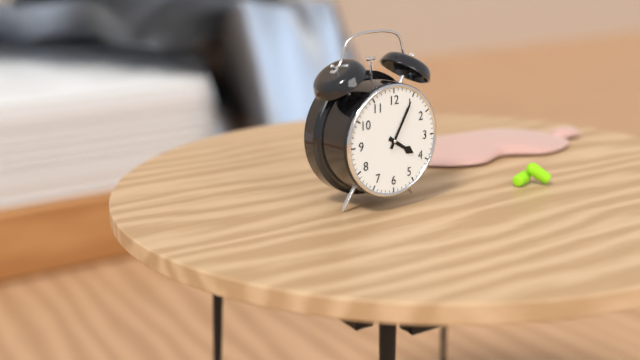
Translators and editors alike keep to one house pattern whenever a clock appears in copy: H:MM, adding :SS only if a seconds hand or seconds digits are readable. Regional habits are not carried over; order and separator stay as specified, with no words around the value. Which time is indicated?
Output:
4:05
